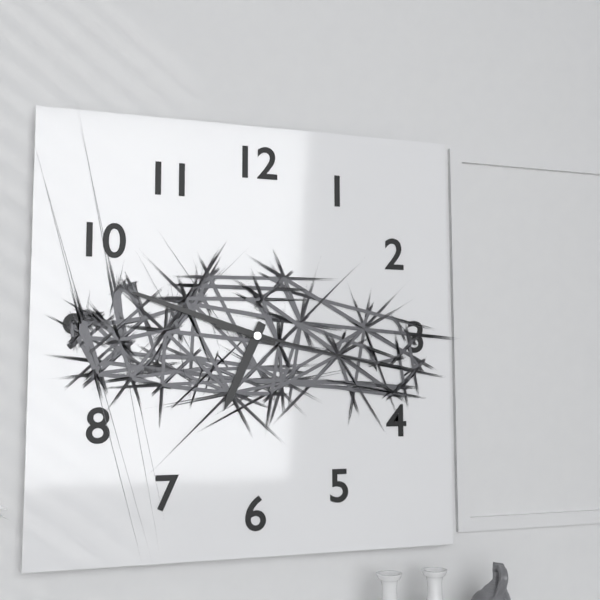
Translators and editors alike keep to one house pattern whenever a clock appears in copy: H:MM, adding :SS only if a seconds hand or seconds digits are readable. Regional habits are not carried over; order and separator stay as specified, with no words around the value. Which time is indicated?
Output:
6:48:17
